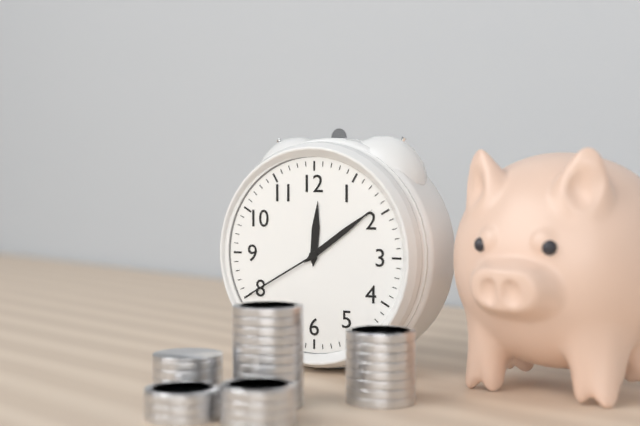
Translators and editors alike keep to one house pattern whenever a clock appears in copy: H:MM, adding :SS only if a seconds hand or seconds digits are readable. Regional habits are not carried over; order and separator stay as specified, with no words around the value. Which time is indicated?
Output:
12:09:40
